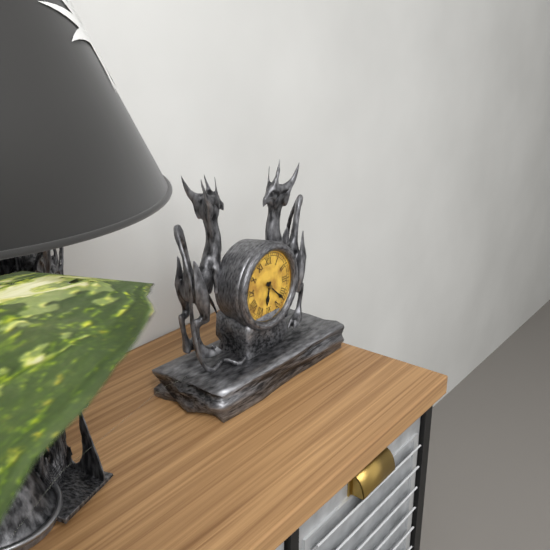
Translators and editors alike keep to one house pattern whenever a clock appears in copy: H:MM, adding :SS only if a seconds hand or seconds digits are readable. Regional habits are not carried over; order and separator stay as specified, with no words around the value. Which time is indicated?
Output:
6:22
